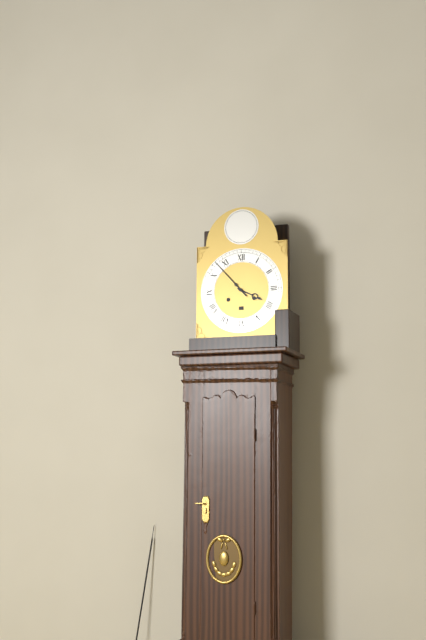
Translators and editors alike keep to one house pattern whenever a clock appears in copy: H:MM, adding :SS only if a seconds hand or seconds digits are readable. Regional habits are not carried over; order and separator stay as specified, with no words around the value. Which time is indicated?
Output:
3:53
